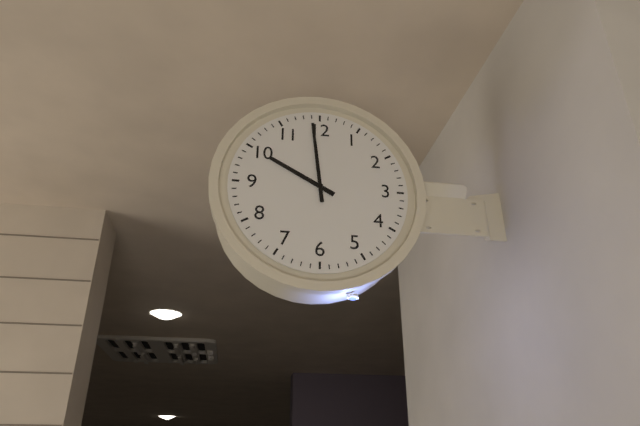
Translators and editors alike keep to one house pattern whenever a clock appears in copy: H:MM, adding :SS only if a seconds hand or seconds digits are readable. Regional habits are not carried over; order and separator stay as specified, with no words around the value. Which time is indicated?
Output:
9:59
